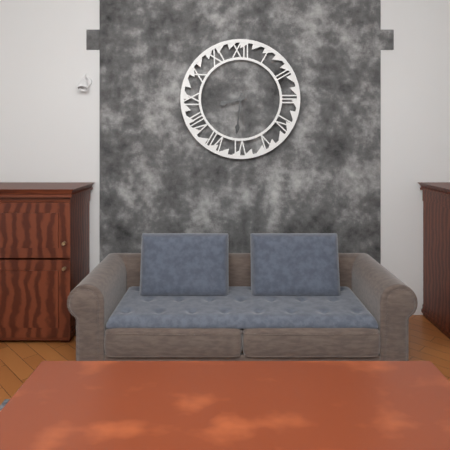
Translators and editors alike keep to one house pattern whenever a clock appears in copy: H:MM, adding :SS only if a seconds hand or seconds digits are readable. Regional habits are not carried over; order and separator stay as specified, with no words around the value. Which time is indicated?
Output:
8:31
